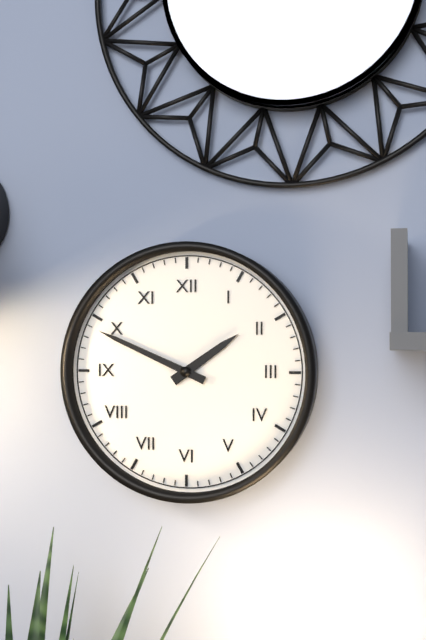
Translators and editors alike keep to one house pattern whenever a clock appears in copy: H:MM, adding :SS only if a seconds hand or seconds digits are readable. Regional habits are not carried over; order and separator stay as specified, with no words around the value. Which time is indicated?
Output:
1:49
